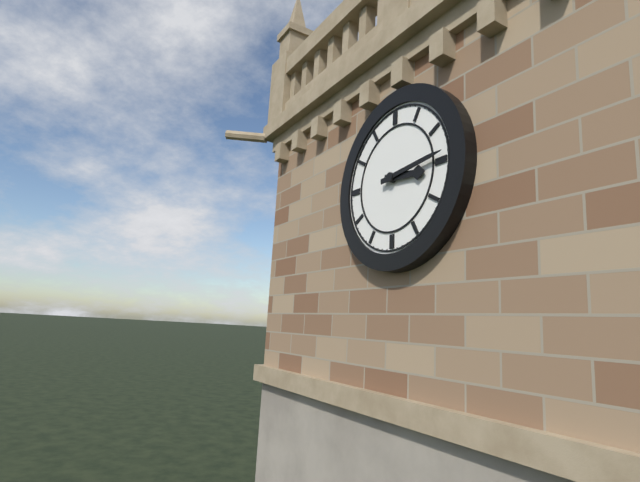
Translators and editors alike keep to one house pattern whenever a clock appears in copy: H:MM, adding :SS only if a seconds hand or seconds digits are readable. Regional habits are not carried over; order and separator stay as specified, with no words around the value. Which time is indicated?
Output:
3:14
